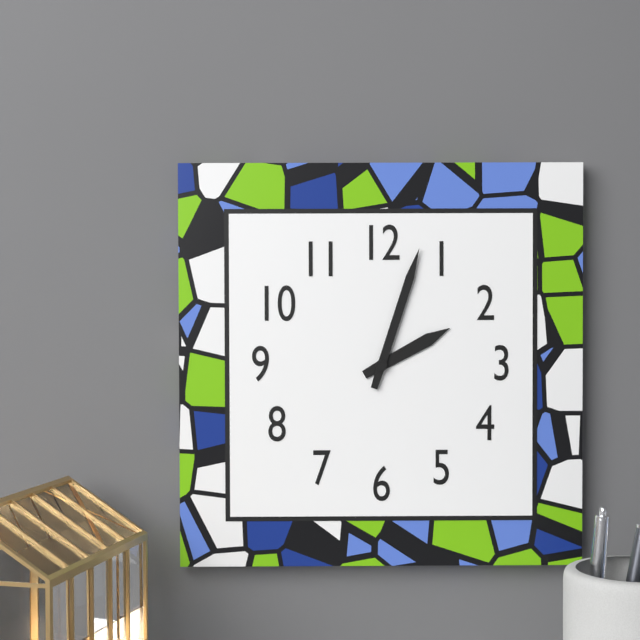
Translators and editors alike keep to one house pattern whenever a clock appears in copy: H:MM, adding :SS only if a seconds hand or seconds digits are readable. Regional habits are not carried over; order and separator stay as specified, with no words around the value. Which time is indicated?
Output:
2:03
